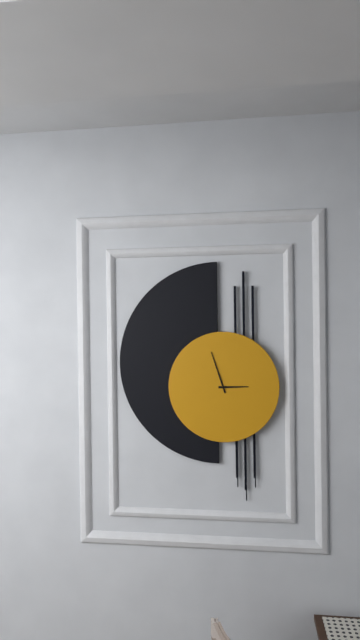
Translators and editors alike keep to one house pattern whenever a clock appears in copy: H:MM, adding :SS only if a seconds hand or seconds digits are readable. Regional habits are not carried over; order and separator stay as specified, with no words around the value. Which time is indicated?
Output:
2:57
